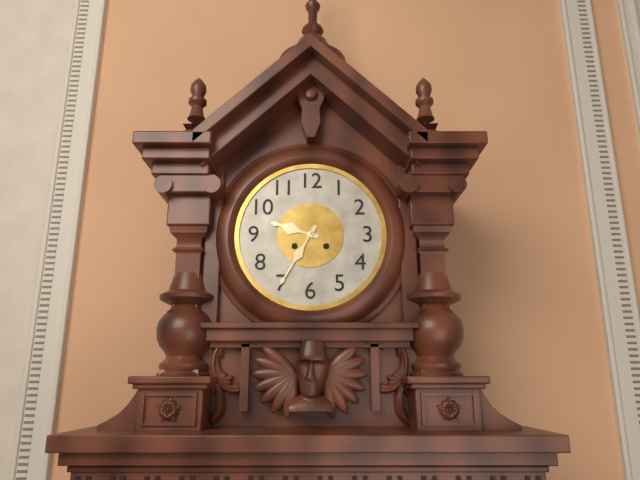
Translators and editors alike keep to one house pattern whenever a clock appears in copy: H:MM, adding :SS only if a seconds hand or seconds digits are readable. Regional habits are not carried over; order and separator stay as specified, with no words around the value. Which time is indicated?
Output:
9:35
